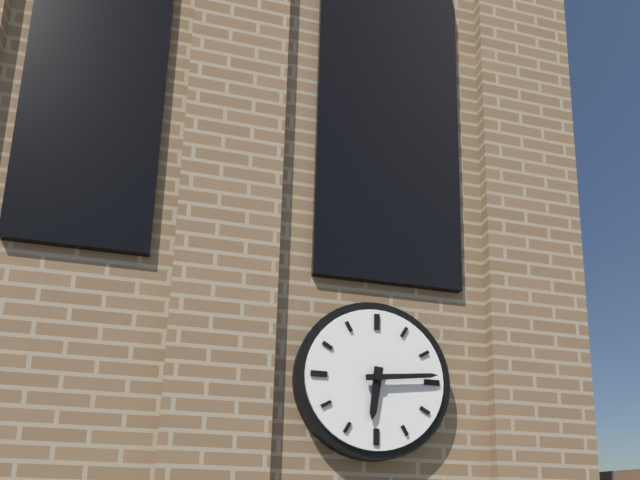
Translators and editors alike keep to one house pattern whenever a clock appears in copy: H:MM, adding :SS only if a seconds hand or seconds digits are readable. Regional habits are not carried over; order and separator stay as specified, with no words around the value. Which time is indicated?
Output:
6:14
